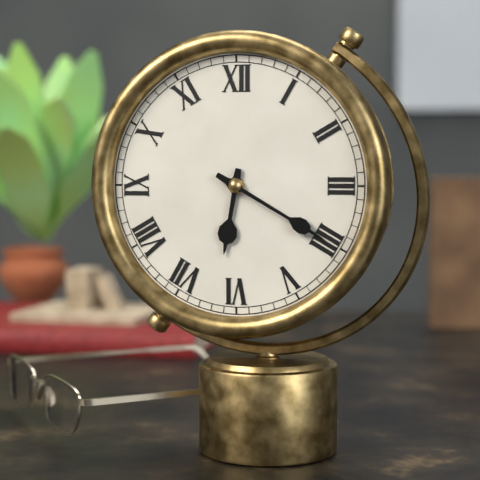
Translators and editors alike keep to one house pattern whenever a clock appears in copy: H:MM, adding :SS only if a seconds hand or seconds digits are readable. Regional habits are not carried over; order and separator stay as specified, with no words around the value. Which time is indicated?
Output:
6:20
